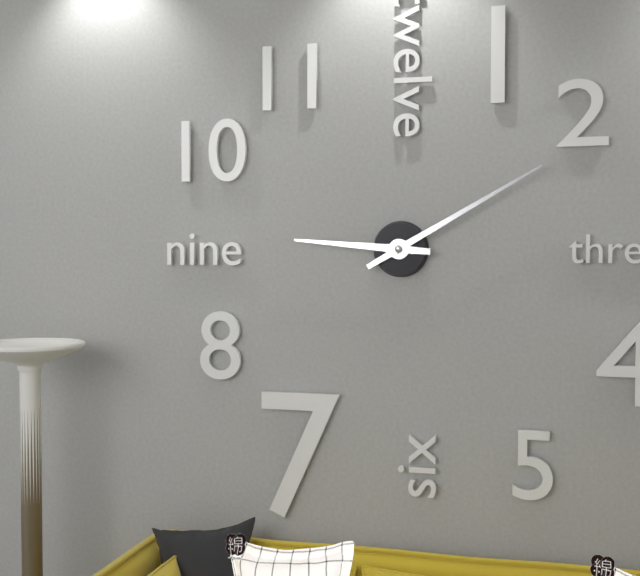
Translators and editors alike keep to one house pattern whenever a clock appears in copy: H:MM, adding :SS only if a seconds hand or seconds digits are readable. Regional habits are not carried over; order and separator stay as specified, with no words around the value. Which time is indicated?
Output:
9:10
